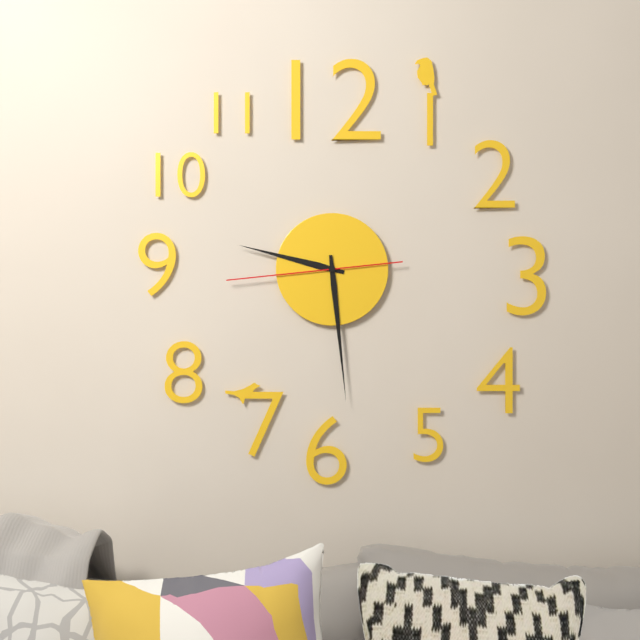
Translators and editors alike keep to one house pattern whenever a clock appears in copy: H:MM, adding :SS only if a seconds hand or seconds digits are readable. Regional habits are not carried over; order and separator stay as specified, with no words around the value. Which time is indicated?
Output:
9:29:44
